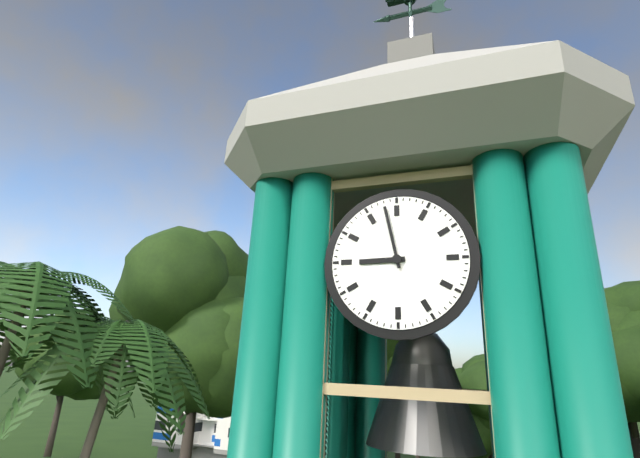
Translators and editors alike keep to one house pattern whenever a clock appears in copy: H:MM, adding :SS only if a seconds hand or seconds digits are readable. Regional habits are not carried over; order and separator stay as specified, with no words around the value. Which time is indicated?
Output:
8:58
